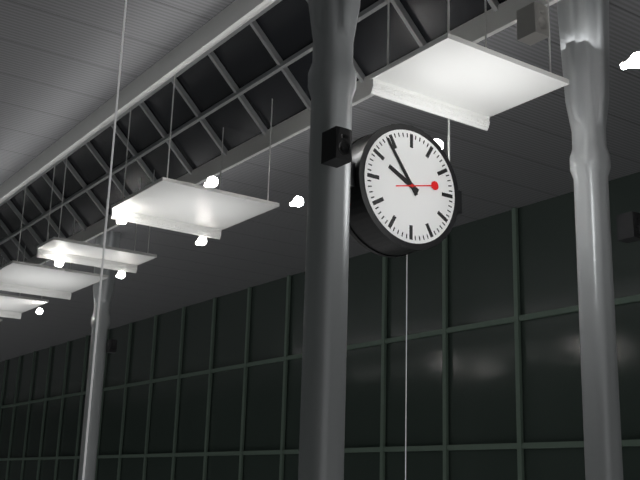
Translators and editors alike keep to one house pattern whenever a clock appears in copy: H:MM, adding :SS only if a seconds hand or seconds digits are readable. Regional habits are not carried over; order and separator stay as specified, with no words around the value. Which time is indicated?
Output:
9:54
